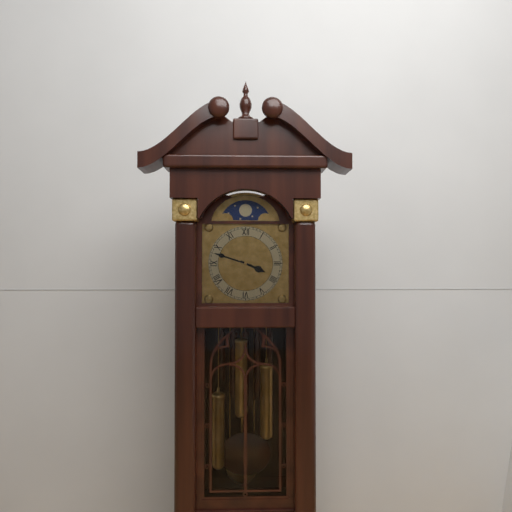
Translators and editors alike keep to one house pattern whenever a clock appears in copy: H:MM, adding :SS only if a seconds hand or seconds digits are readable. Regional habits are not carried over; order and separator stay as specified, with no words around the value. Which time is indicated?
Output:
3:48
